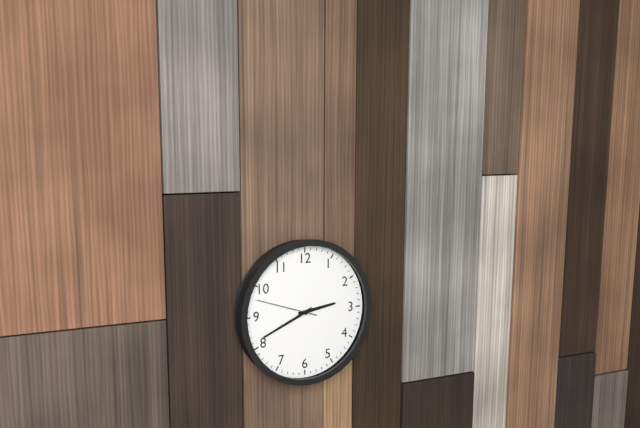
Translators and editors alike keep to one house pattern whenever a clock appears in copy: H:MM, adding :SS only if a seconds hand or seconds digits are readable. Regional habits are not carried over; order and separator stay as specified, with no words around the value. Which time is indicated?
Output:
2:41:48
